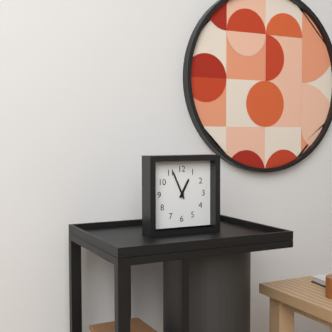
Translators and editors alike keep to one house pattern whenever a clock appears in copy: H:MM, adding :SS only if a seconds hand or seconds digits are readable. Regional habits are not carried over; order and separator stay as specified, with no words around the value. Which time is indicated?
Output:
12:56
